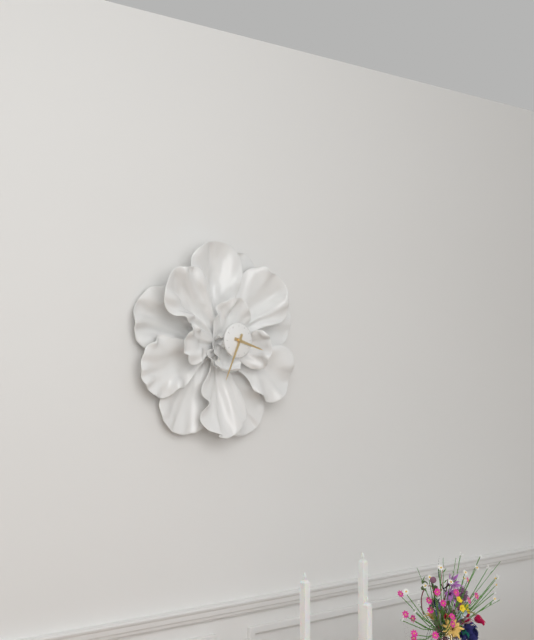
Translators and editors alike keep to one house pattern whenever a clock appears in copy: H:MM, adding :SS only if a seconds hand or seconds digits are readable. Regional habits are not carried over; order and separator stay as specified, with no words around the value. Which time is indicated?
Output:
3:34
